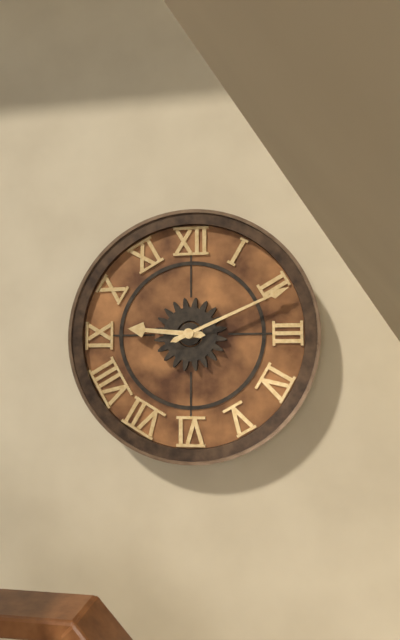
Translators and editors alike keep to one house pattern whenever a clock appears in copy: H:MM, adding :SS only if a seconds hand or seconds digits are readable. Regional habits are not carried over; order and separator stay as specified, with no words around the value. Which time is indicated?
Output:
9:11
